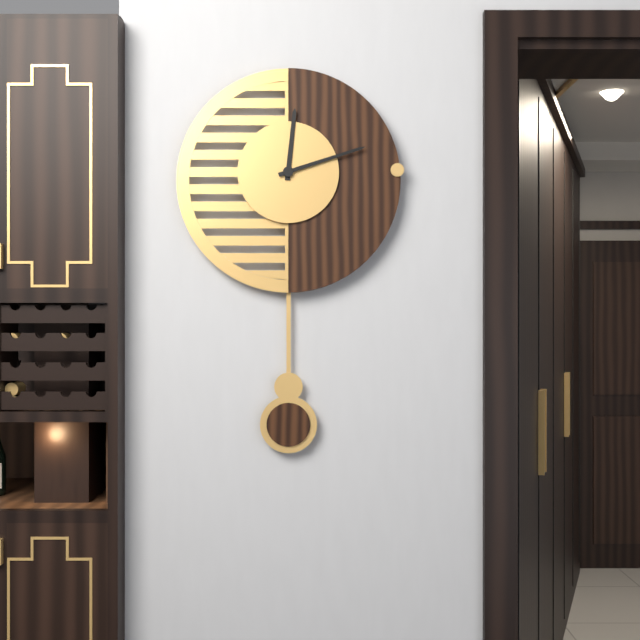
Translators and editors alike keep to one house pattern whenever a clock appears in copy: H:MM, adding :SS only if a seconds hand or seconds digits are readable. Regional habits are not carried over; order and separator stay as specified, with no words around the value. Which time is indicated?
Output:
12:12
